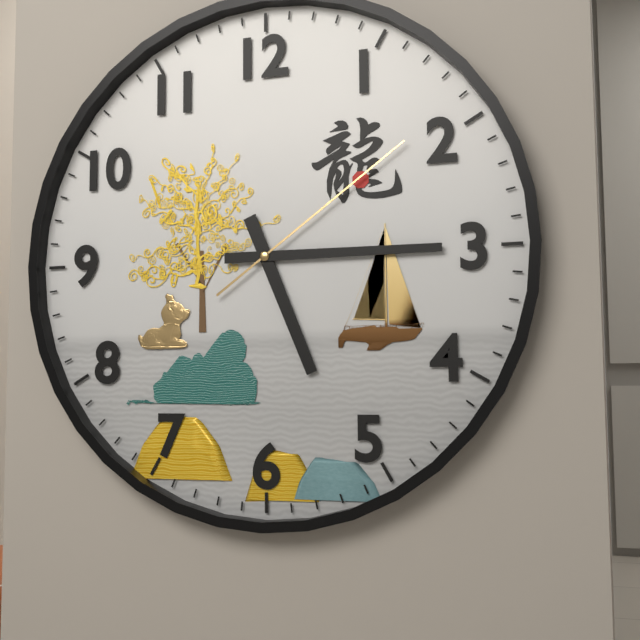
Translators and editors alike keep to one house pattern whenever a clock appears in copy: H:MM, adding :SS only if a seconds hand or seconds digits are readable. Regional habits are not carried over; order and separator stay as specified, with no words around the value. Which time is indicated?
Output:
5:15:09
